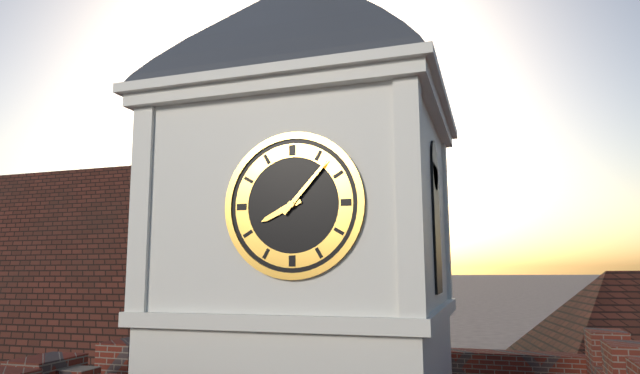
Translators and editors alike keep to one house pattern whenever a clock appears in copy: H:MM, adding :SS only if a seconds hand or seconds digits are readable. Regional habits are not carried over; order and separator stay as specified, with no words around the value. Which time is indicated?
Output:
8:07
